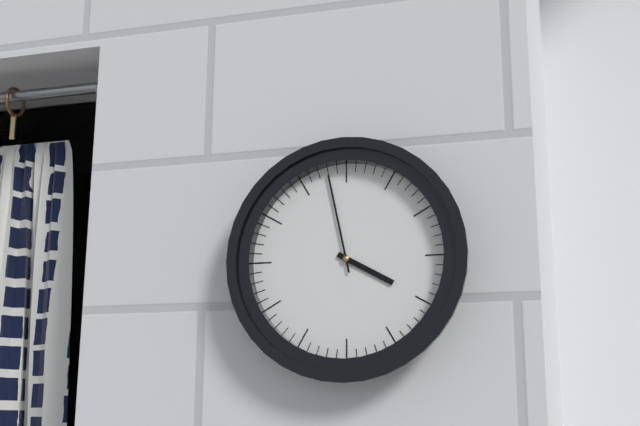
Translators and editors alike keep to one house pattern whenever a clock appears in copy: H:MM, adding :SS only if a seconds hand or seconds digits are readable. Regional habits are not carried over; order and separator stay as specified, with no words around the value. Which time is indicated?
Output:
3:58
